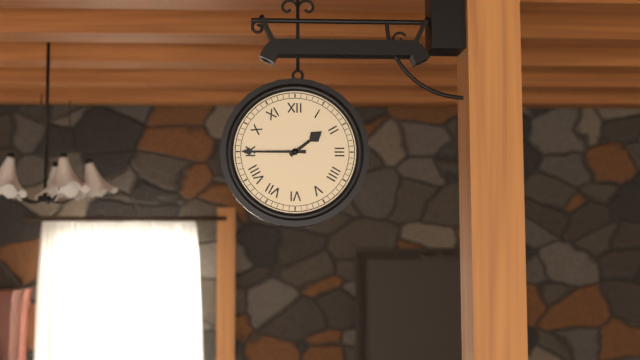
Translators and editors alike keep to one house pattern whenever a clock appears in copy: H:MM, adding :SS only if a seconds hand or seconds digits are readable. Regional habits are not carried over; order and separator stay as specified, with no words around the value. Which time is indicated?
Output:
1:45
